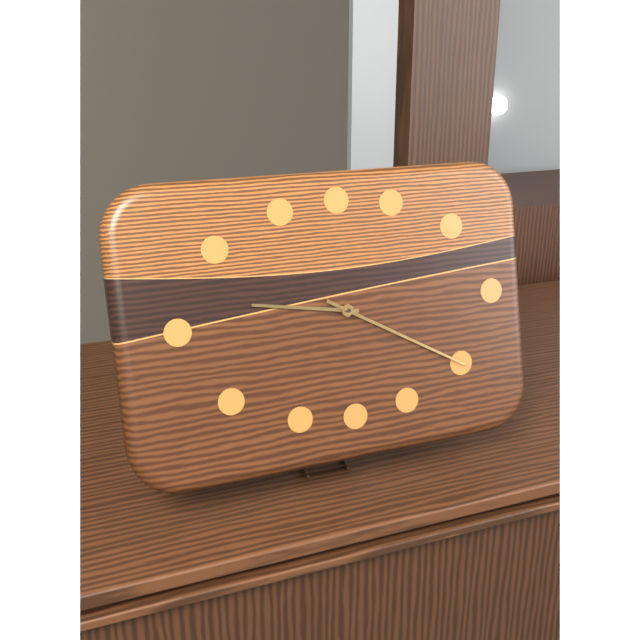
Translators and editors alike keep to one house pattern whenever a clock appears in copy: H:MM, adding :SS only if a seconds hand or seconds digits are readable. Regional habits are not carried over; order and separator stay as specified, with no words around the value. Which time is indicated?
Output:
9:20
